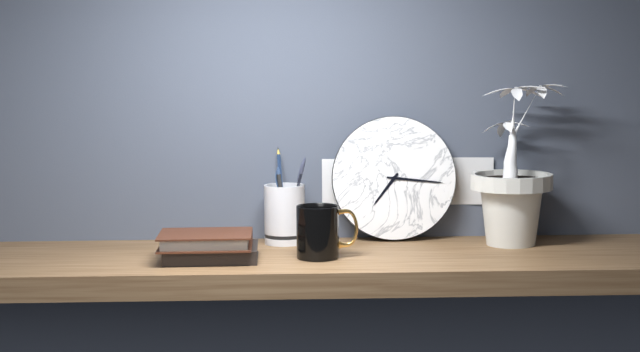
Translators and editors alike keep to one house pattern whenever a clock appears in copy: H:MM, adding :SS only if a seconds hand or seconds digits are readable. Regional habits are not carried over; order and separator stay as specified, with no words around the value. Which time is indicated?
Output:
7:16
